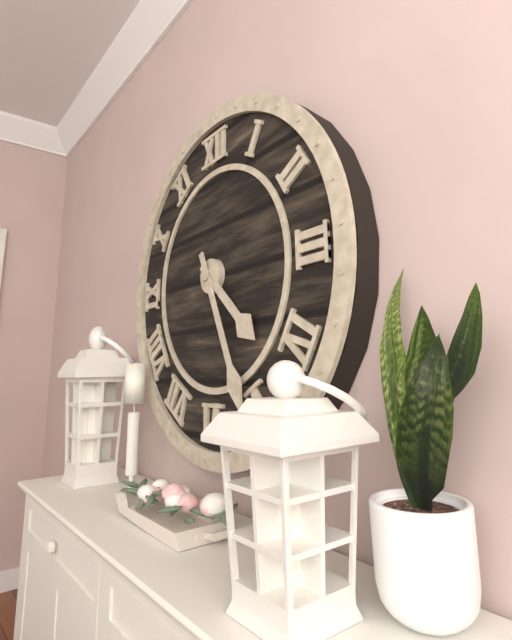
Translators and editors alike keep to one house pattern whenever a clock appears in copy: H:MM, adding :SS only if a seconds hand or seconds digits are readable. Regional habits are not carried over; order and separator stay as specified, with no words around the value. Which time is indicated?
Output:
4:26
